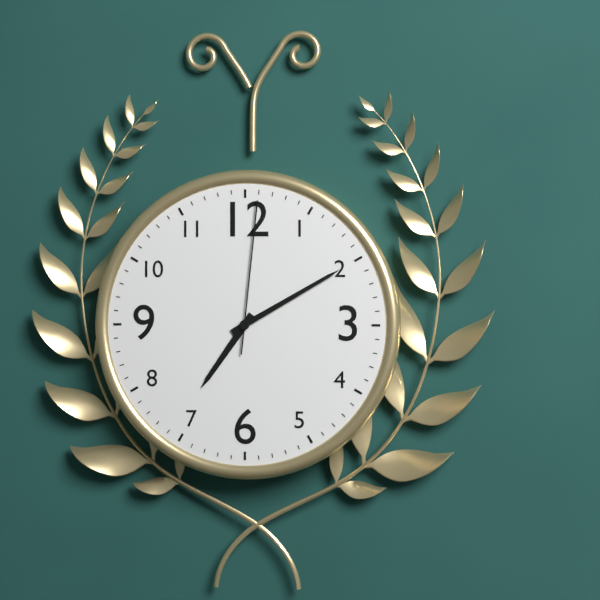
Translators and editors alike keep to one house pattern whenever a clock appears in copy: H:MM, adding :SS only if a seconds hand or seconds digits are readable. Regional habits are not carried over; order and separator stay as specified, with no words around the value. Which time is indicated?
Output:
7:10:01
